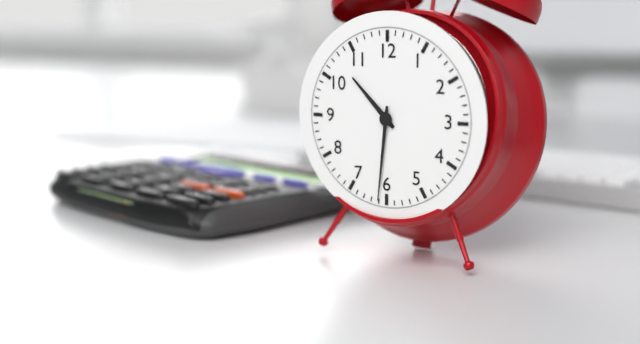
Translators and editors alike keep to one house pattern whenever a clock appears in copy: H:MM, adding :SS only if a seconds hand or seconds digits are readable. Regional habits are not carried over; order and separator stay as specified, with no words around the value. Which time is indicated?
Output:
10:31
